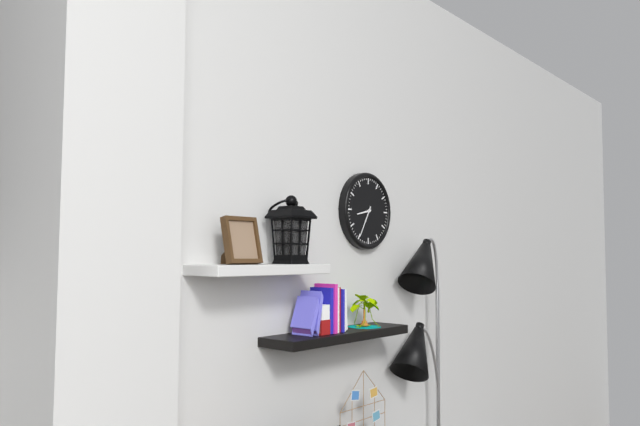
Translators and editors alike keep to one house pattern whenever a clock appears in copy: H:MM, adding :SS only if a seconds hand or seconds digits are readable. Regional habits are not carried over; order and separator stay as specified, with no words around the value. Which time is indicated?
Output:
8:35
